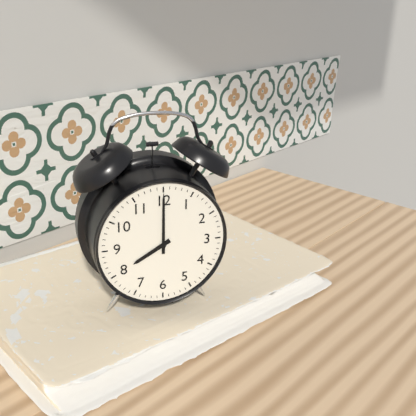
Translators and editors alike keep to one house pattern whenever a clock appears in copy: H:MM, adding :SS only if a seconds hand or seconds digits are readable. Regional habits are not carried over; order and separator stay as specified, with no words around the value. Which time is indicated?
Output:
8:00
